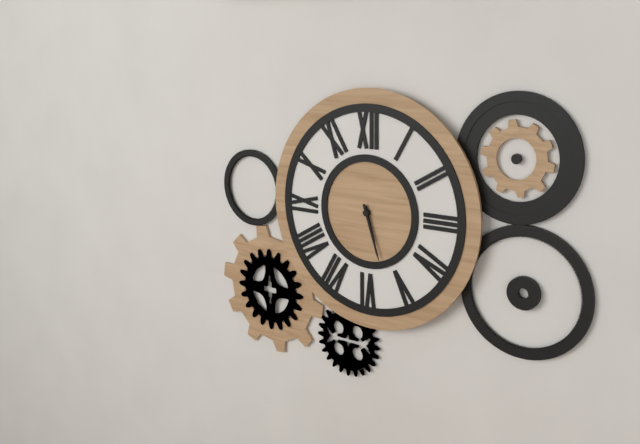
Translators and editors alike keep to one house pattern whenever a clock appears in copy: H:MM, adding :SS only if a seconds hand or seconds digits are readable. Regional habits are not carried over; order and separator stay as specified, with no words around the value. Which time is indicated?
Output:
5:27
